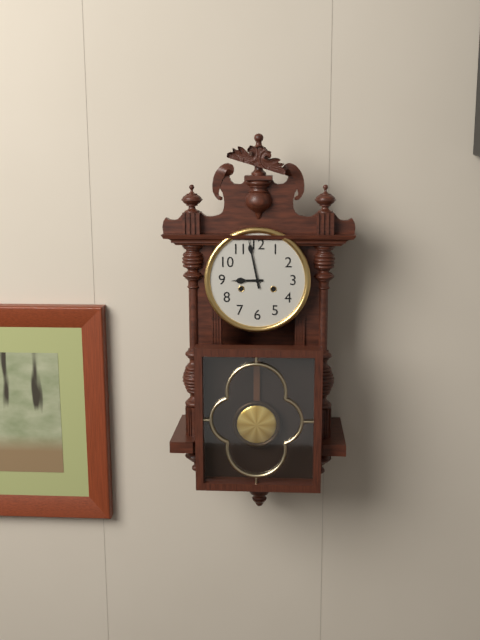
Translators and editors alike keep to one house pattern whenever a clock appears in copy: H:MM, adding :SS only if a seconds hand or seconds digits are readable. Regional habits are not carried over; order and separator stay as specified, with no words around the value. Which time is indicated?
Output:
8:58
